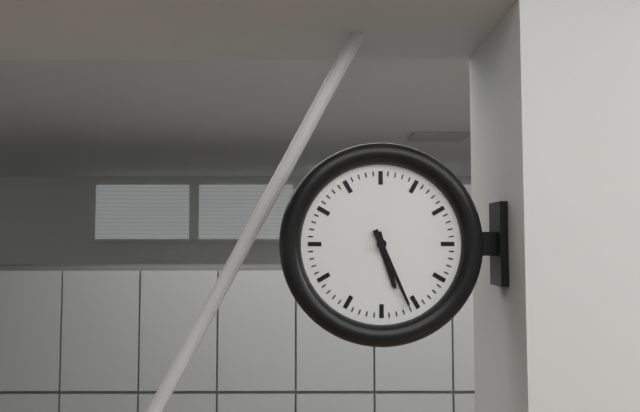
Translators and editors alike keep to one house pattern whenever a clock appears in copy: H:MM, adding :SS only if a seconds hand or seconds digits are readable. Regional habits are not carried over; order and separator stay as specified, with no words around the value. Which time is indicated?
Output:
5:26
